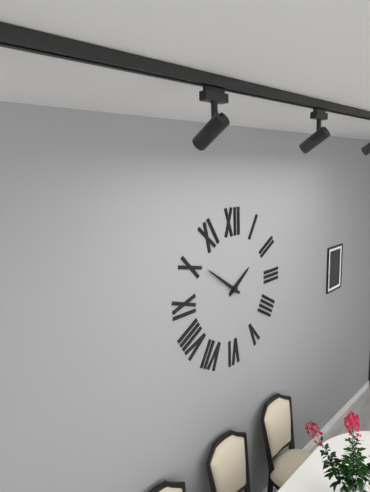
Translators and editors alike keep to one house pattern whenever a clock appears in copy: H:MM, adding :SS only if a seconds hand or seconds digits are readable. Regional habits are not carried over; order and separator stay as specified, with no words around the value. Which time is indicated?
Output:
1:51
